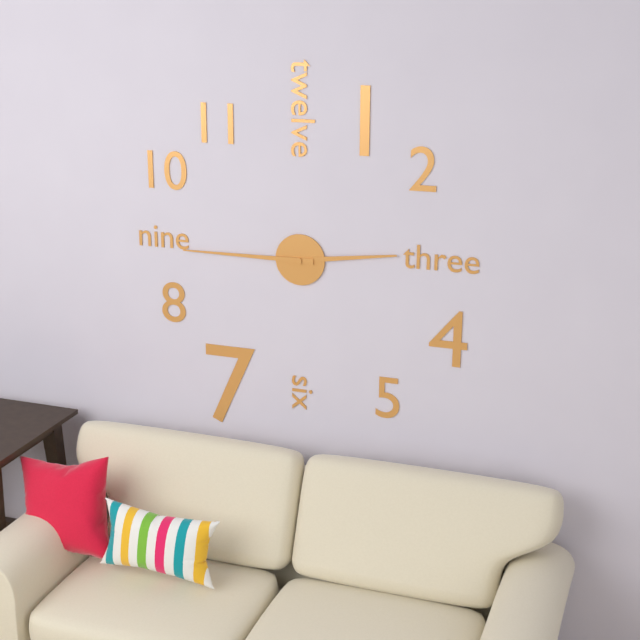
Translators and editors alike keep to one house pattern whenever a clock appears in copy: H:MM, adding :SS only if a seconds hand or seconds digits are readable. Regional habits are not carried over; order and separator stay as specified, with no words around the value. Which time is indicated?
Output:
2:45
